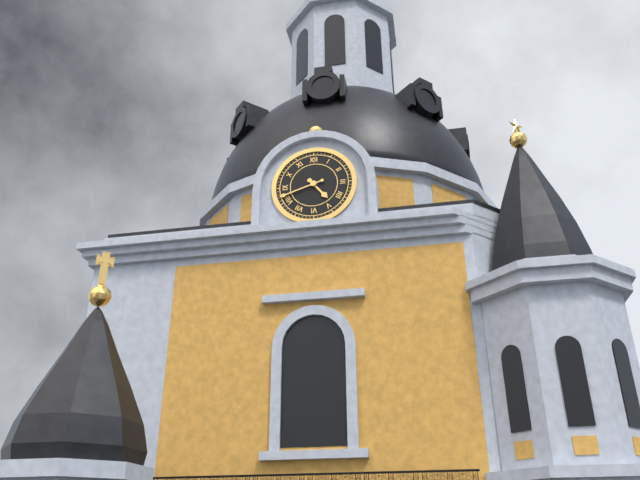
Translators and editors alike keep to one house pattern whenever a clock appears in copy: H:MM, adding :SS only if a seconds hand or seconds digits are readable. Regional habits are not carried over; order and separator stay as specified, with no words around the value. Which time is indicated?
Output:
4:42
